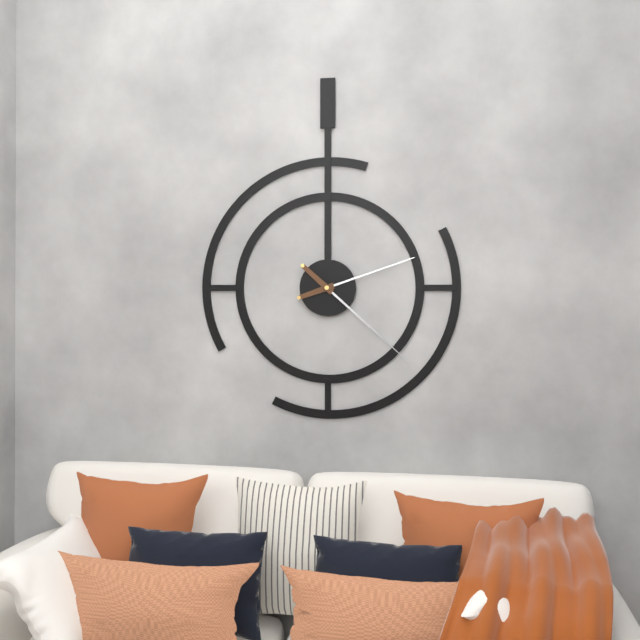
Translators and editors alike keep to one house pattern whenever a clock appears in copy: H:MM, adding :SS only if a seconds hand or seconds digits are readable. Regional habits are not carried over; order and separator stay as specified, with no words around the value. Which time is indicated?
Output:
2:22
